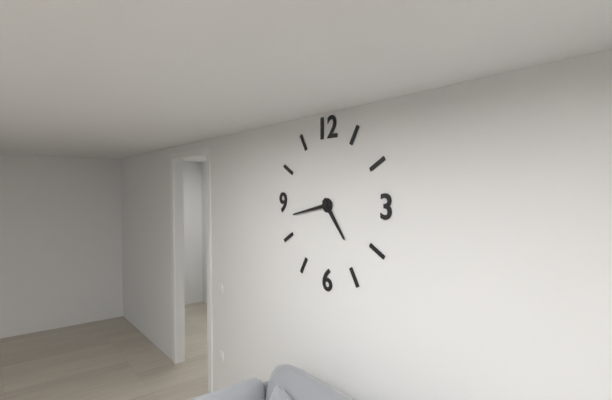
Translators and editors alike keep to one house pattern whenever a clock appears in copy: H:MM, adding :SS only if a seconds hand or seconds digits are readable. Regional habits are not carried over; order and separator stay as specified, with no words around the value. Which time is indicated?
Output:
4:43
